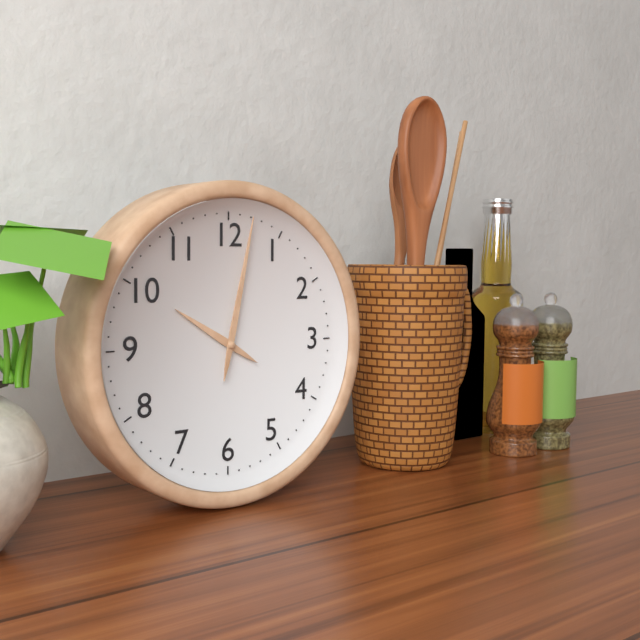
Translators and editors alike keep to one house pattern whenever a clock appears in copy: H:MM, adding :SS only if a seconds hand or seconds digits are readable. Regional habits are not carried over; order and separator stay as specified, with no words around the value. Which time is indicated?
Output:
10:02
